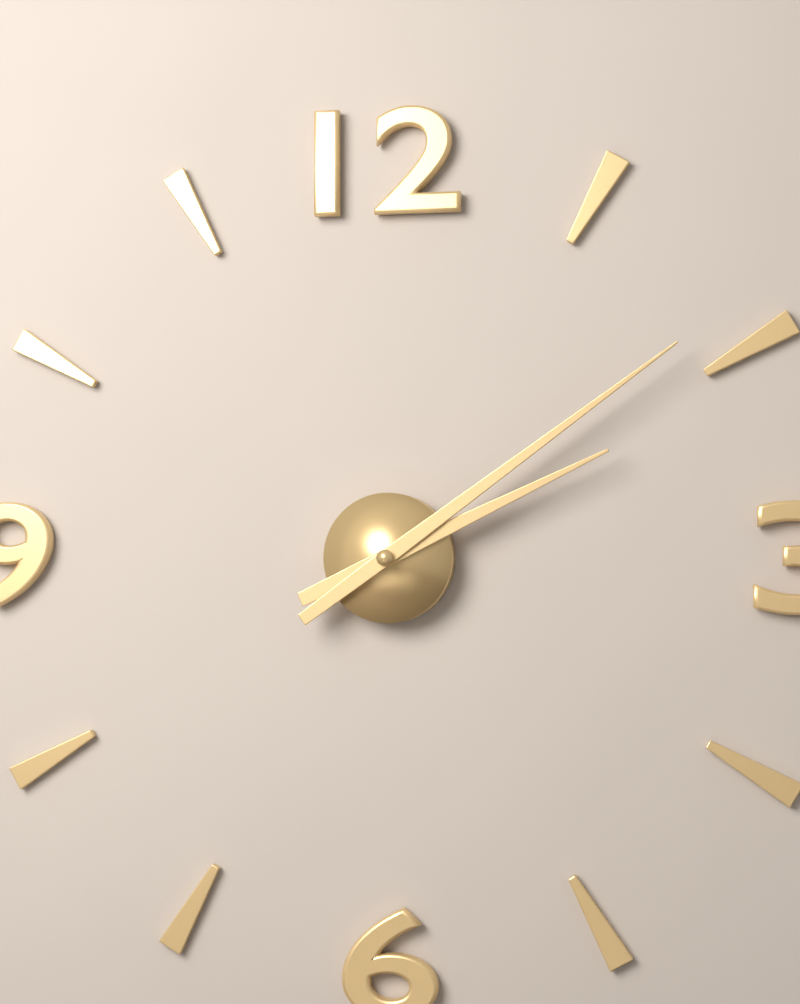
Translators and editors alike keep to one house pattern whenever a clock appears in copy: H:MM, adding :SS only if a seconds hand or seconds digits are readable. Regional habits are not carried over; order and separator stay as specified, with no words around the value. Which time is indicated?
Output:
2:09
